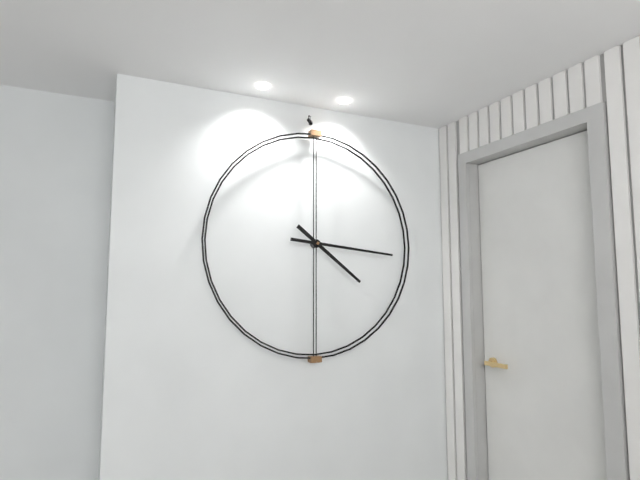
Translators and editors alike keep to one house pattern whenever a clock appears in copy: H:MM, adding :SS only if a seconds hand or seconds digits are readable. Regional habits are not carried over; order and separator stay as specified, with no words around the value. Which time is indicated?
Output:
4:16
